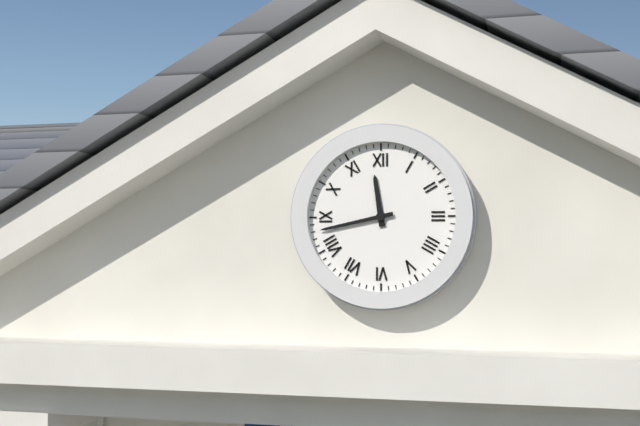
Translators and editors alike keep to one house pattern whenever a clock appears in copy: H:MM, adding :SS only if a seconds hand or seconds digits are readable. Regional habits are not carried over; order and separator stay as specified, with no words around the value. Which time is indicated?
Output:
11:43
